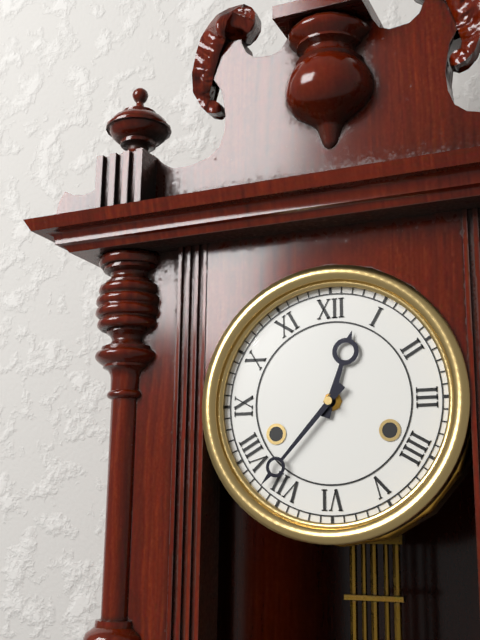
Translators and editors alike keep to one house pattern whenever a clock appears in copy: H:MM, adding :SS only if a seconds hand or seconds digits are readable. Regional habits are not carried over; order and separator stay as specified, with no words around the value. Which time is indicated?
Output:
12:37
